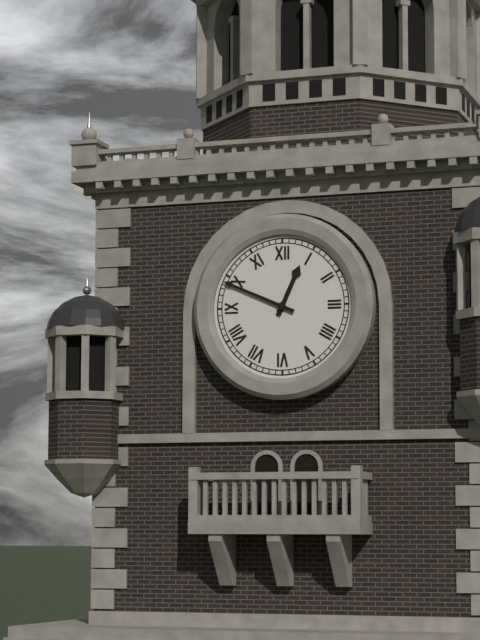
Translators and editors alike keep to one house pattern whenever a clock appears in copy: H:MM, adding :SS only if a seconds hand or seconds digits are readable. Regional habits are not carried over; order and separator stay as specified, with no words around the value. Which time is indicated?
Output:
12:49
